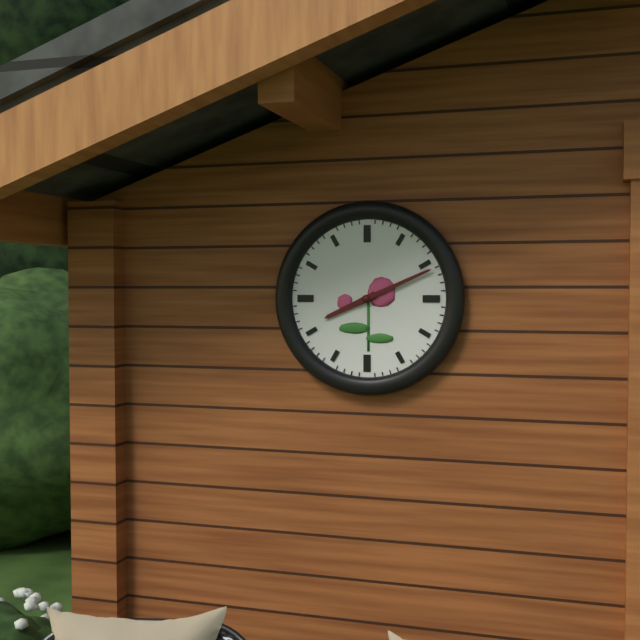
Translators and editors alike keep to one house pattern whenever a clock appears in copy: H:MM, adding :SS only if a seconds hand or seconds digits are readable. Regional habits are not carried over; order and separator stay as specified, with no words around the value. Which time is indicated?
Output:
8:11
